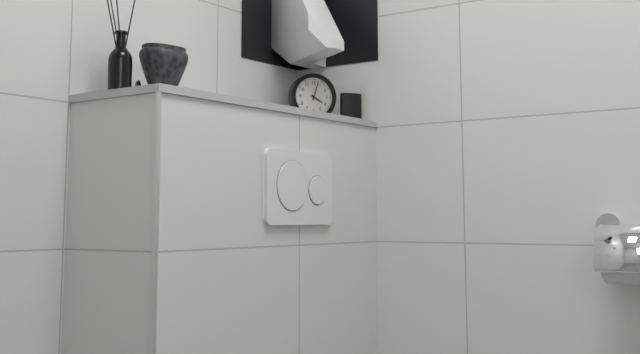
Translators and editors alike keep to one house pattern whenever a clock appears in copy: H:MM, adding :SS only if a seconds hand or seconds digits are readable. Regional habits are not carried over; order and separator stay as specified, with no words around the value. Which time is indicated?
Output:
4:03
